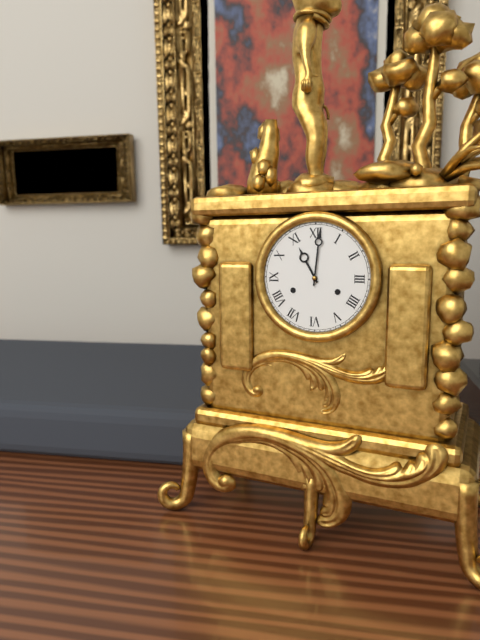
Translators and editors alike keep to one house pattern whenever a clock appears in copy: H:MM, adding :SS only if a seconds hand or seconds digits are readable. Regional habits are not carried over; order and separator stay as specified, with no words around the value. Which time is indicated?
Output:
11:01
